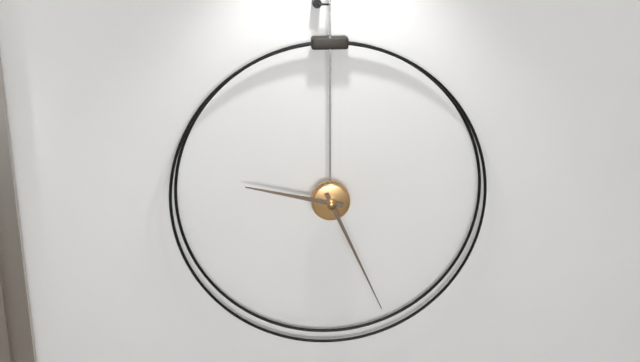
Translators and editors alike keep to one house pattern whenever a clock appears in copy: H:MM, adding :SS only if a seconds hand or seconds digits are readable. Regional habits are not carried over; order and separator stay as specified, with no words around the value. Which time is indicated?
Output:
9:26
